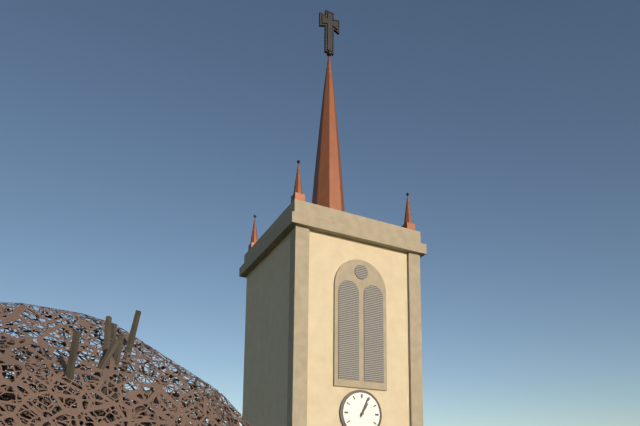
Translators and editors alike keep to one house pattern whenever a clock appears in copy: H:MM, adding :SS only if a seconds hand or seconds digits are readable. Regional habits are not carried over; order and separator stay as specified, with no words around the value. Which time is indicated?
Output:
1:04
